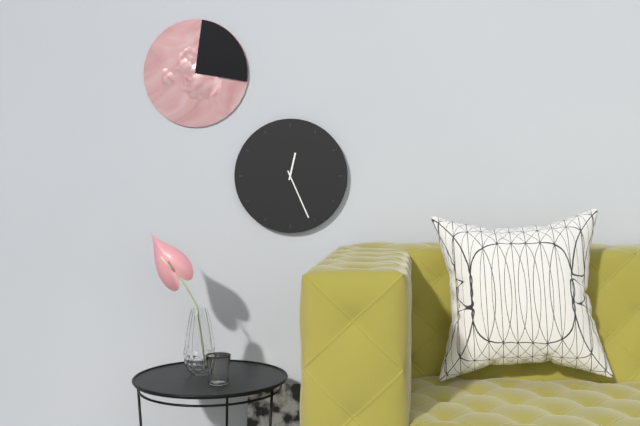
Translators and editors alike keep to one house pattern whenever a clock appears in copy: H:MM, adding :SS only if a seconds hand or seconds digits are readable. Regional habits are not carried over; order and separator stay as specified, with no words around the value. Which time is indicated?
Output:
12:26
